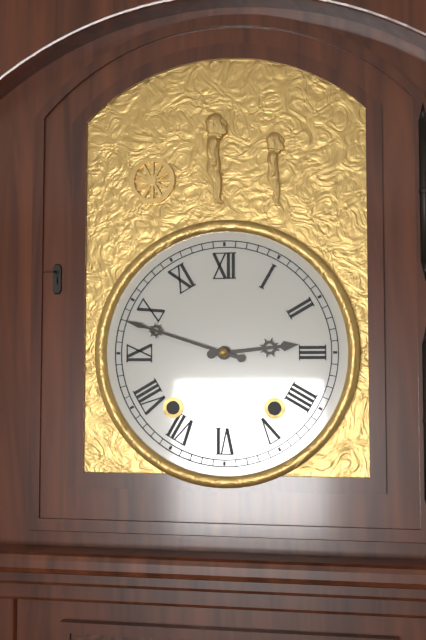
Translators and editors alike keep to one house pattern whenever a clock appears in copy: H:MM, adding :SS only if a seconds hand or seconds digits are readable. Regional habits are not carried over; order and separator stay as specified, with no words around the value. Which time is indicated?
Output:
2:48
